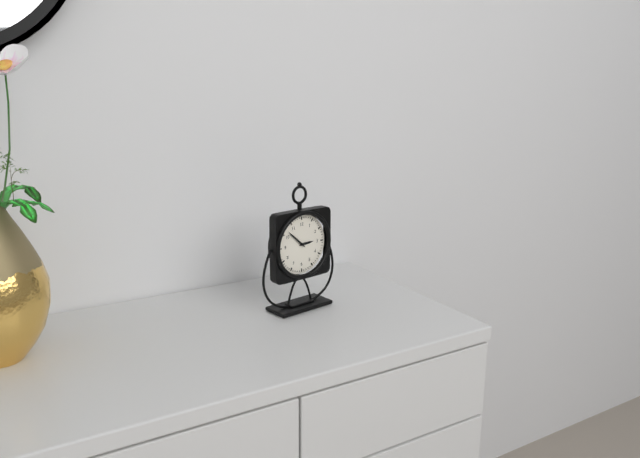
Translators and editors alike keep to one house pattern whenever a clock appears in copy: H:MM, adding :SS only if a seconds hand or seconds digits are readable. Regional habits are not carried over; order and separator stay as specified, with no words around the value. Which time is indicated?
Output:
2:52
